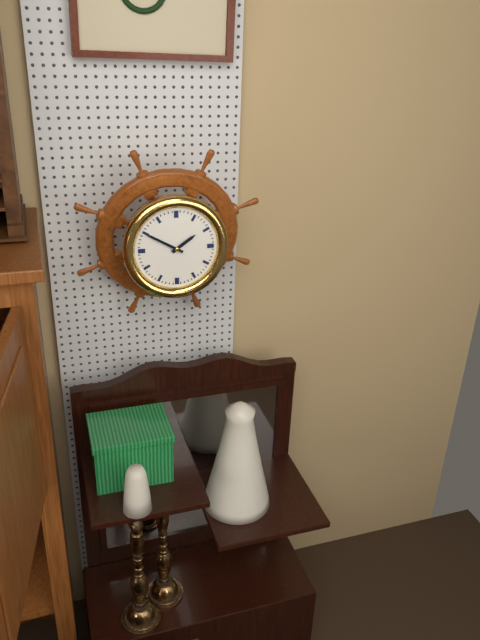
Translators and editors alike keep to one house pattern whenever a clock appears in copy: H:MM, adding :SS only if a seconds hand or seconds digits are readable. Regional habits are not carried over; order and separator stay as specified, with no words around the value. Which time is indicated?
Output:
1:50
